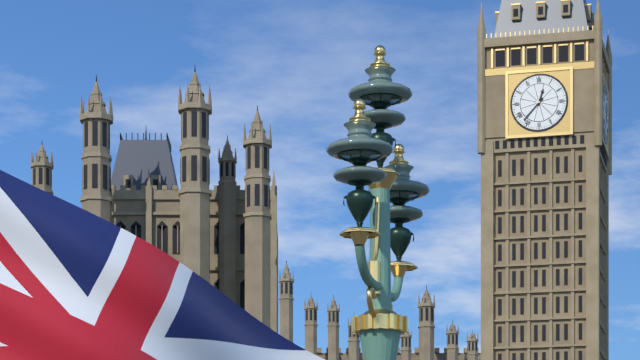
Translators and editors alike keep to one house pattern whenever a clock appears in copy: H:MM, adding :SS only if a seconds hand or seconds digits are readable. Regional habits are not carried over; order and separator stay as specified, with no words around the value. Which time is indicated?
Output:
12:37
